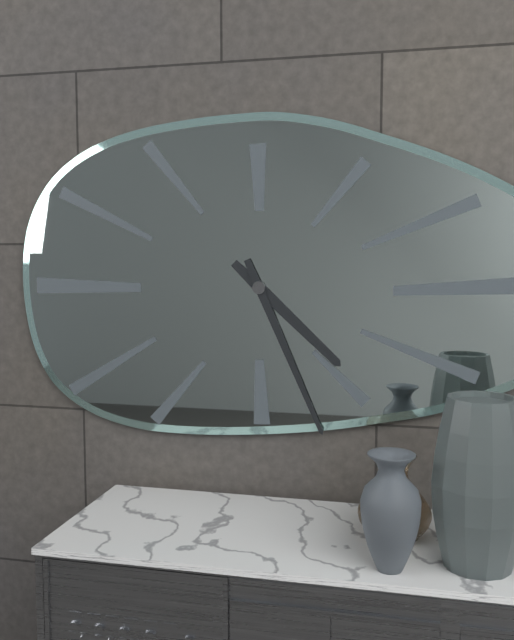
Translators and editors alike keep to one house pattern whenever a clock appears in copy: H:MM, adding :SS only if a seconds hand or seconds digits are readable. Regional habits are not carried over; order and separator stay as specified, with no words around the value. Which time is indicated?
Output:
4:26
